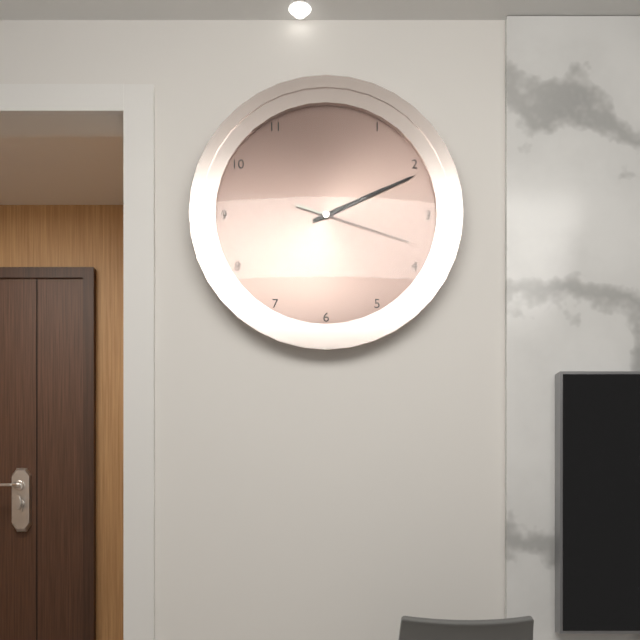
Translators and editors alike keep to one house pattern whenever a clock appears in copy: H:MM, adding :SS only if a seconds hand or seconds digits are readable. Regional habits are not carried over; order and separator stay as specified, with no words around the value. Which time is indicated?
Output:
2:11:18
